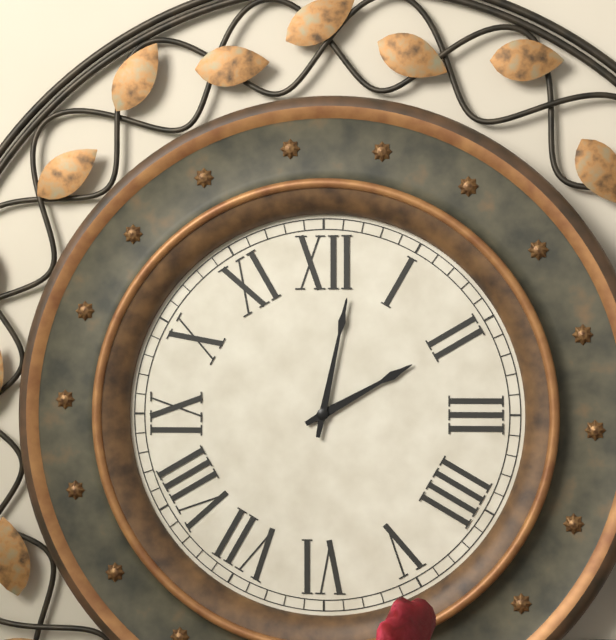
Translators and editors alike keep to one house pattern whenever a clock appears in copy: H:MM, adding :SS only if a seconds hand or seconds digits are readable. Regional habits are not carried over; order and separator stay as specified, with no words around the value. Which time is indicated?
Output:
2:02
